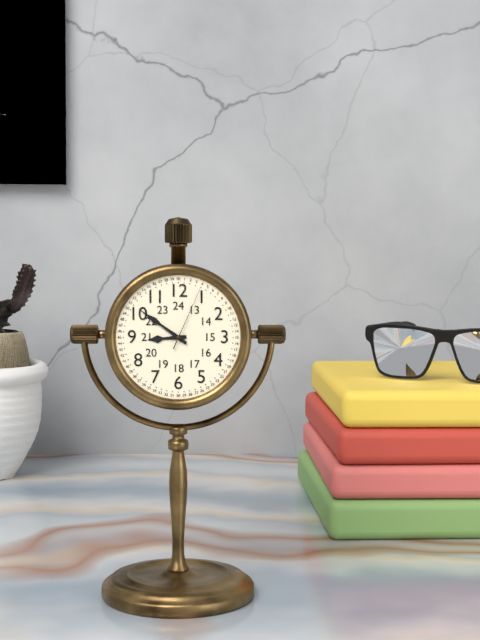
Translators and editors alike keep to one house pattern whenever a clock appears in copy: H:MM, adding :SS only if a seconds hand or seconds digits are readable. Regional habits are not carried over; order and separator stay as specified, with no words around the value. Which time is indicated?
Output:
8:51:04
